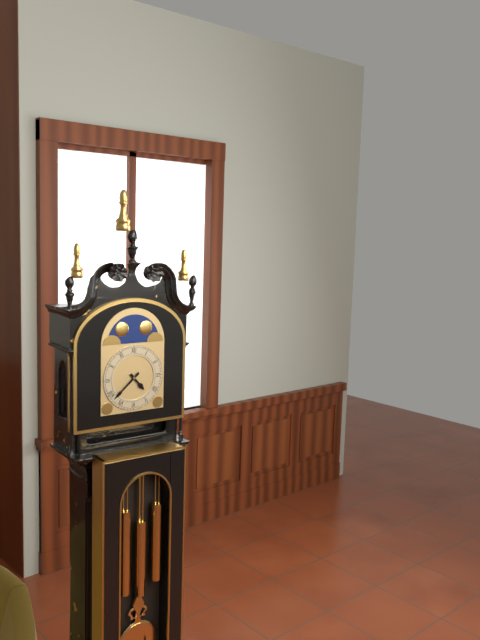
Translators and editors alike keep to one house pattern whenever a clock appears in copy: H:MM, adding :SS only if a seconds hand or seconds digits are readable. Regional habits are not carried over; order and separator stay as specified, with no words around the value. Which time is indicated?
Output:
4:38
